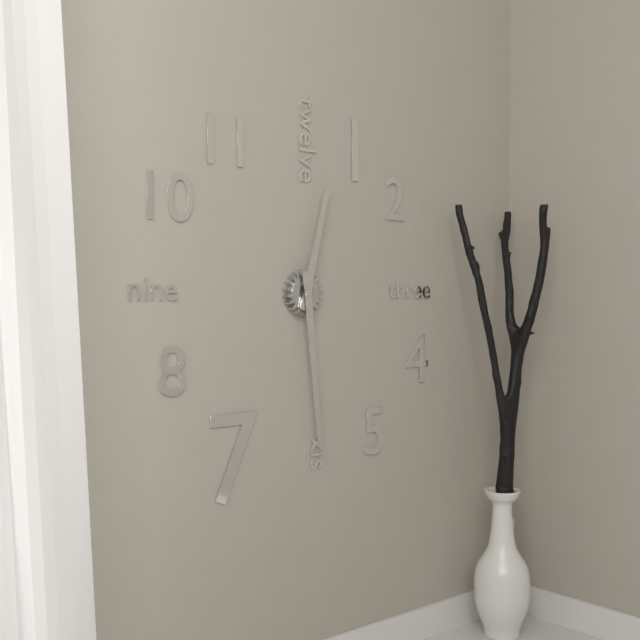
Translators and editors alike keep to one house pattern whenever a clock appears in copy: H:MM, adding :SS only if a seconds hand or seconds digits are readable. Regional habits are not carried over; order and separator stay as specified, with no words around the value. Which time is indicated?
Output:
12:29
